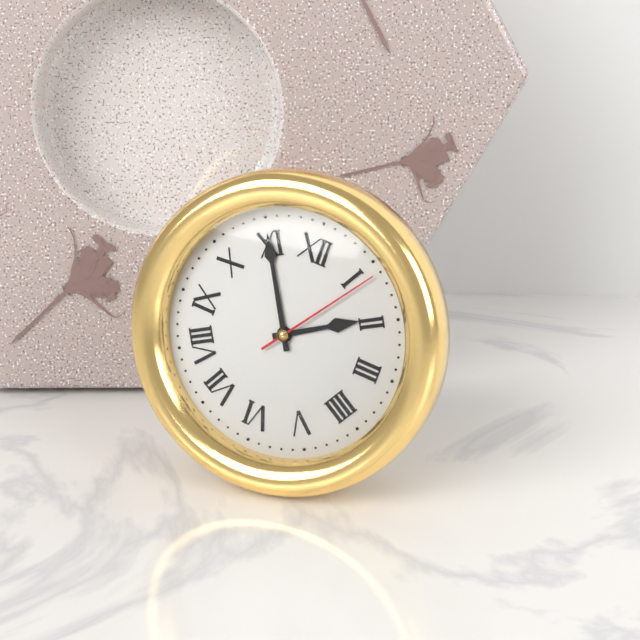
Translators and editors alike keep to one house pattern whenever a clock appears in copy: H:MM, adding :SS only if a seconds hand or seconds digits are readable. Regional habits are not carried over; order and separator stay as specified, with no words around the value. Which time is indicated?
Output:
1:55:06
